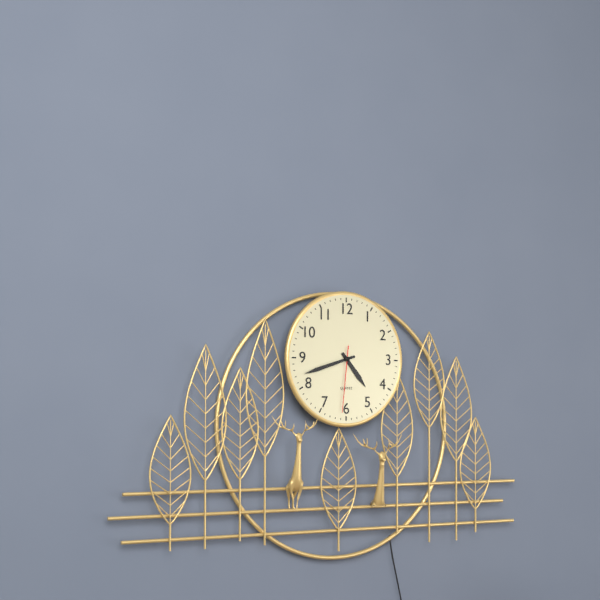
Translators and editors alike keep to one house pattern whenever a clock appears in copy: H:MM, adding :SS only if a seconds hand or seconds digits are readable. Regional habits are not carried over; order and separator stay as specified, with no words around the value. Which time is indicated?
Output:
4:42:31
